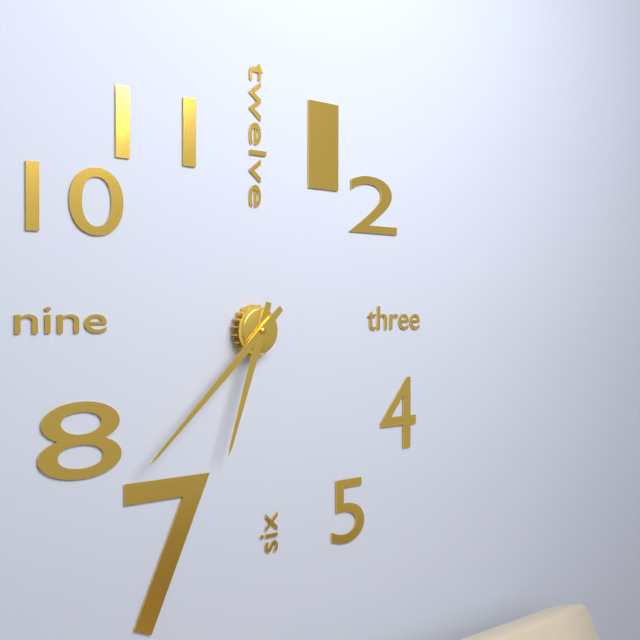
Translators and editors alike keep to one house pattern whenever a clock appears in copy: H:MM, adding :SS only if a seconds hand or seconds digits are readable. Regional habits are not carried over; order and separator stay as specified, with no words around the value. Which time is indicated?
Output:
6:38
